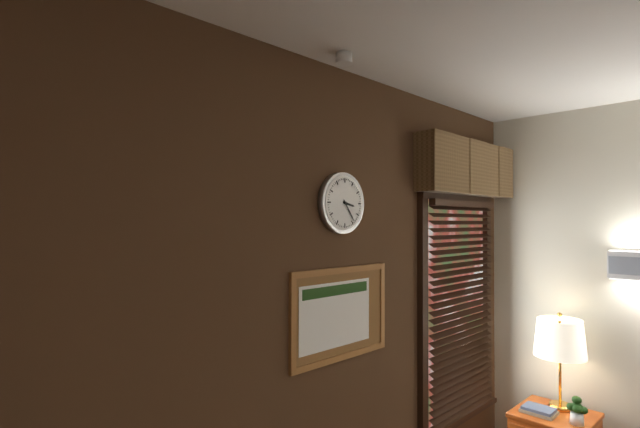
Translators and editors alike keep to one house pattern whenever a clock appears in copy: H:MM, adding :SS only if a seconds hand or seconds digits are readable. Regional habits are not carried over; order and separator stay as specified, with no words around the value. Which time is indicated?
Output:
3:24
